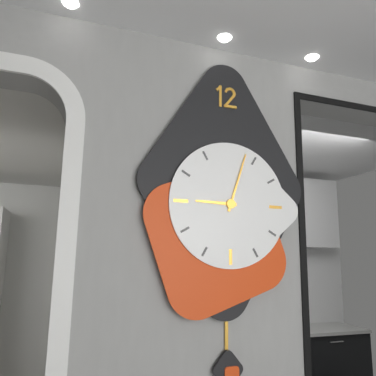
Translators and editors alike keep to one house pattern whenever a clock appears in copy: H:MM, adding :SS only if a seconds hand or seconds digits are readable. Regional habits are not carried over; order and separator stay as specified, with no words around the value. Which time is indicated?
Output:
9:03
